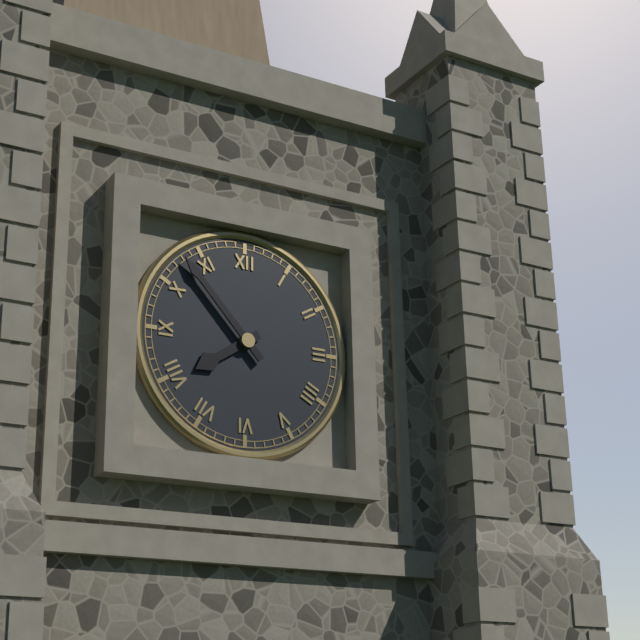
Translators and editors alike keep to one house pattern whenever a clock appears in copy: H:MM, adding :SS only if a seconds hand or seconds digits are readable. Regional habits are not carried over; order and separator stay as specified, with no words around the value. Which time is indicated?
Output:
7:53
